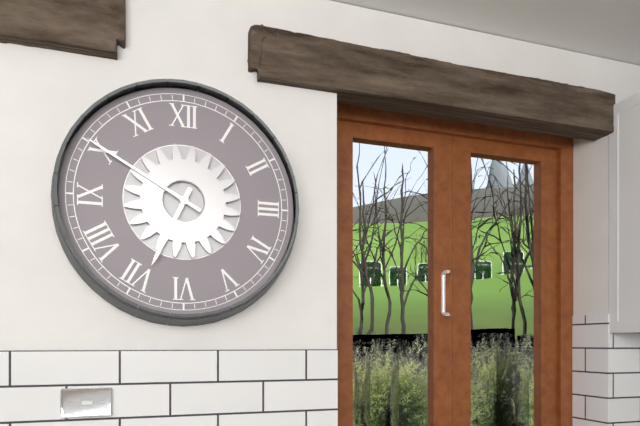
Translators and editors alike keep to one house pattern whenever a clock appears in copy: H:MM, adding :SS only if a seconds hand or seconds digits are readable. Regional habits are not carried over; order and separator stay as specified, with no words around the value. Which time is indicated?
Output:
6:50
